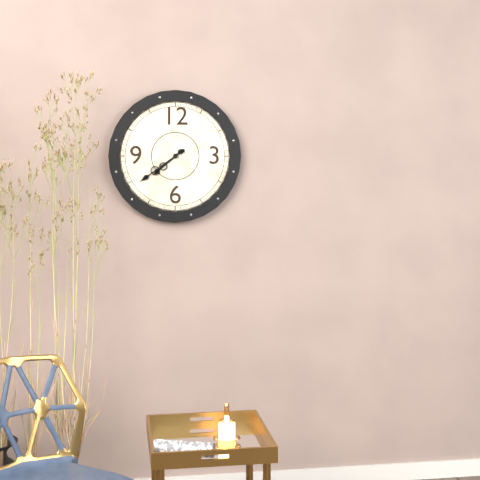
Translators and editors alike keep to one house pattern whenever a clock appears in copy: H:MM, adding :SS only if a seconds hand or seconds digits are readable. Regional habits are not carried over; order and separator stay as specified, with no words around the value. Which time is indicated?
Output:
7:39
